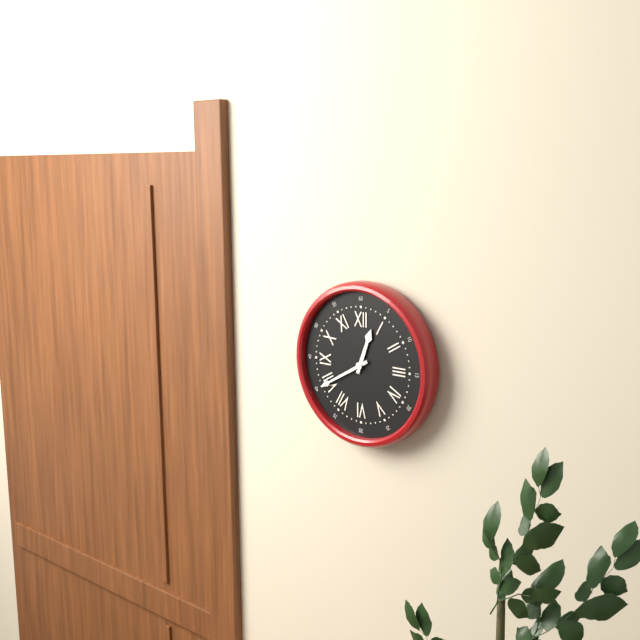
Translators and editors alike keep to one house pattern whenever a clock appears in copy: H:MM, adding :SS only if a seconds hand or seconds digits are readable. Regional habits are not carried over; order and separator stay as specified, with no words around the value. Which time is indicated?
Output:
12:40
